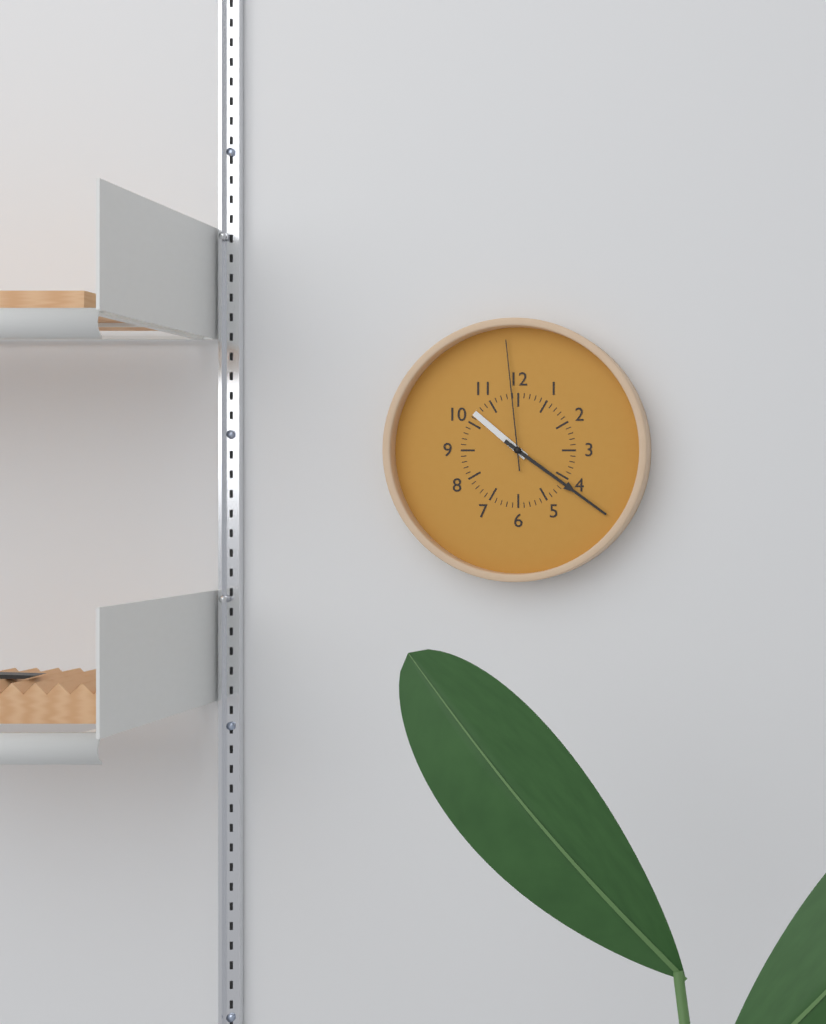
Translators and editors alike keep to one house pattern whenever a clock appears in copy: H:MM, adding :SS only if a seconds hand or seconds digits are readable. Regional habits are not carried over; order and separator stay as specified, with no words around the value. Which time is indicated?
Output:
10:21:59
